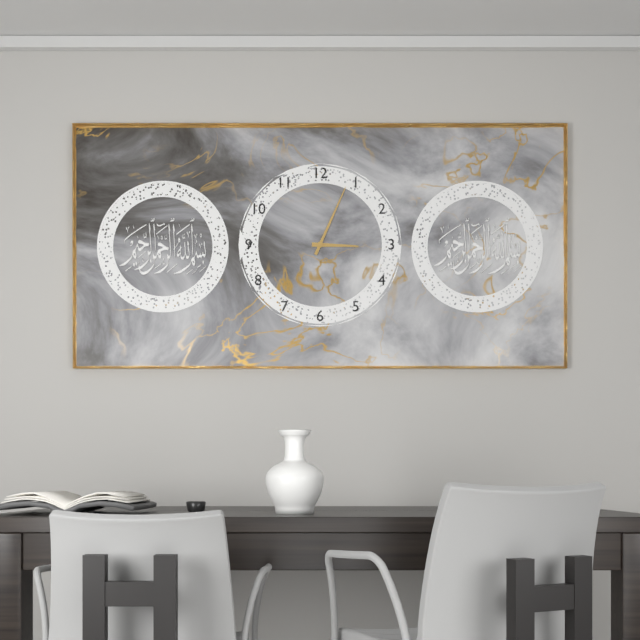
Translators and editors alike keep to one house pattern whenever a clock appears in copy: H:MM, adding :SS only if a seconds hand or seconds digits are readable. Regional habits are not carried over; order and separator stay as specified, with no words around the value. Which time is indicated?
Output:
3:04
